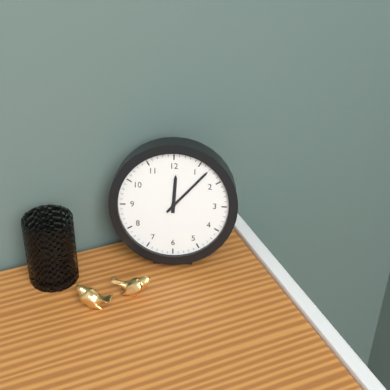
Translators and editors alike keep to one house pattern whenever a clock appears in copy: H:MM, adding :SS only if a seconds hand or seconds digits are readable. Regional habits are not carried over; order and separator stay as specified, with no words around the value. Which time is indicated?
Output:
12:07
